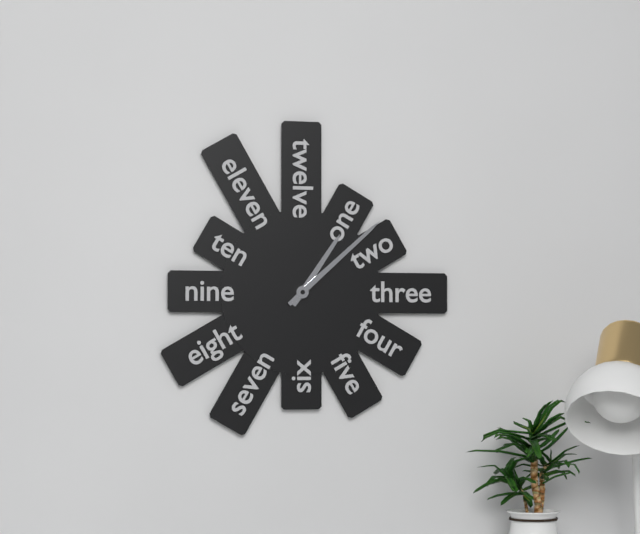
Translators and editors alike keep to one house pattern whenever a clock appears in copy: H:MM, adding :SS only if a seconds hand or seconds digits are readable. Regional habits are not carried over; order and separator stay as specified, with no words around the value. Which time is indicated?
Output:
1:08
